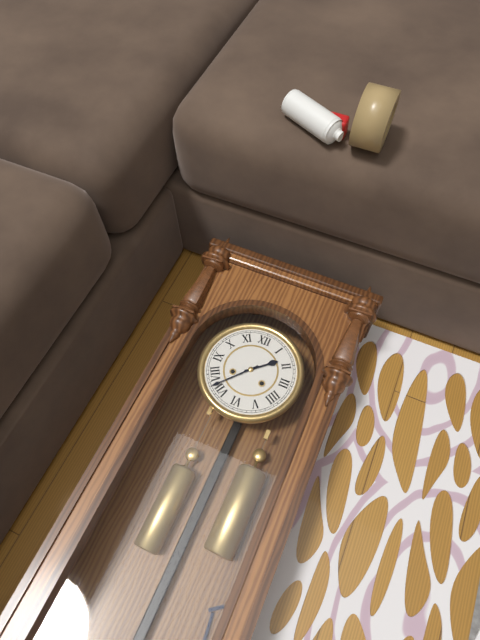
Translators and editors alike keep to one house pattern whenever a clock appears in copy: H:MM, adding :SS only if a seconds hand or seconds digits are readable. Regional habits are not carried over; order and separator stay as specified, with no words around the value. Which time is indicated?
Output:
1:37
